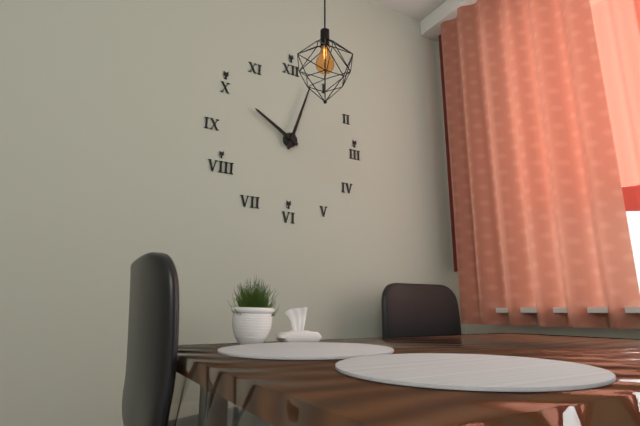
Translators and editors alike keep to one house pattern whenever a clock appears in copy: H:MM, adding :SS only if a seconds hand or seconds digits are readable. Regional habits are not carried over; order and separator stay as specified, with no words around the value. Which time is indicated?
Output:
10:03
